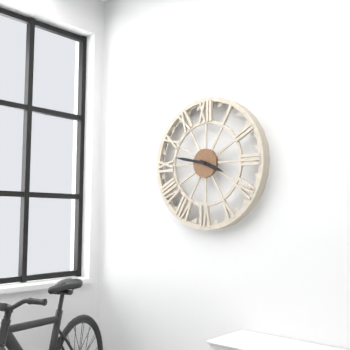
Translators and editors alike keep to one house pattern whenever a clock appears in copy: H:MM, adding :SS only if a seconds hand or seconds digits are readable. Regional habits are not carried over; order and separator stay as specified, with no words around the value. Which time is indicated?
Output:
3:47
